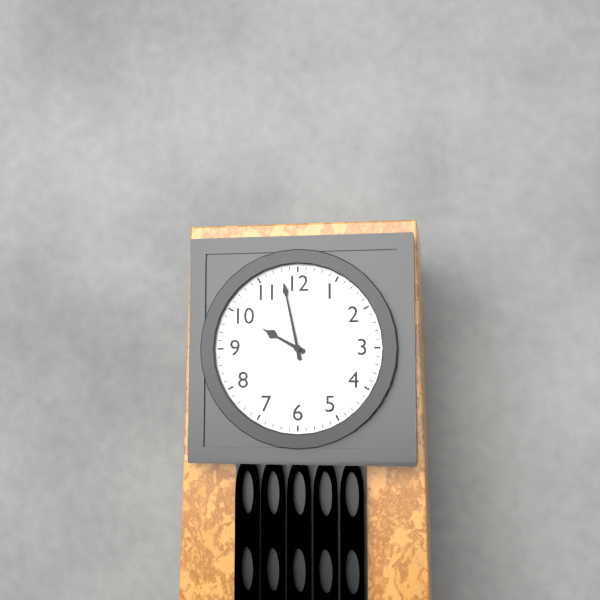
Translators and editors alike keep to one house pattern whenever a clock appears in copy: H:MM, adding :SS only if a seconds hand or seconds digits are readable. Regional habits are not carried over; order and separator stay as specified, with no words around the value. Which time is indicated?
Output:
9:58
